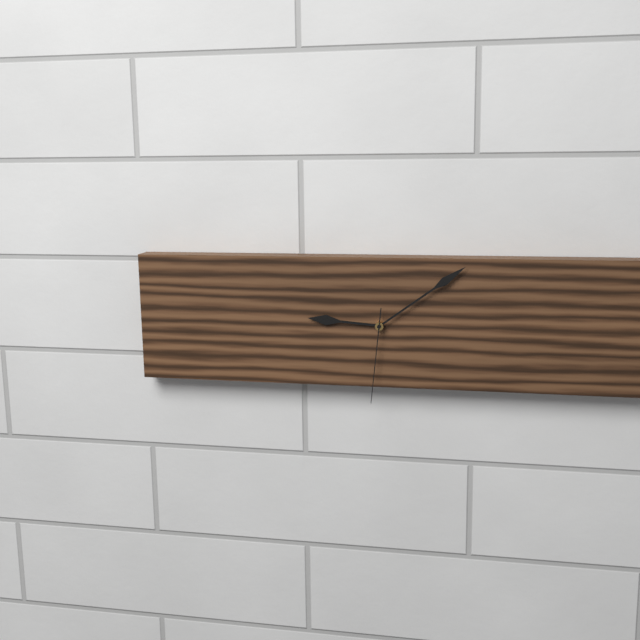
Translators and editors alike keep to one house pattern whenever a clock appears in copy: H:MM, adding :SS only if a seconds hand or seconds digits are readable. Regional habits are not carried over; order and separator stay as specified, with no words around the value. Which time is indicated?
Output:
9:09:31
